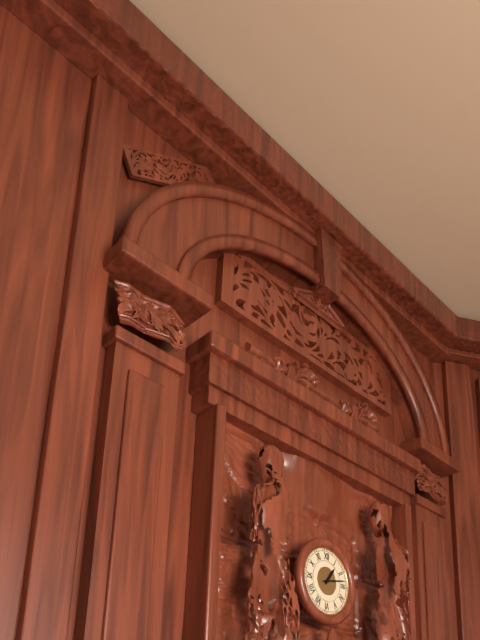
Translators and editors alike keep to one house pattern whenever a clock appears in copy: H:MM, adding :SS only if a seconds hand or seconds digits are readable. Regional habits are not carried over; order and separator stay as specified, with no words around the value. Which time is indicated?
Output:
1:13
